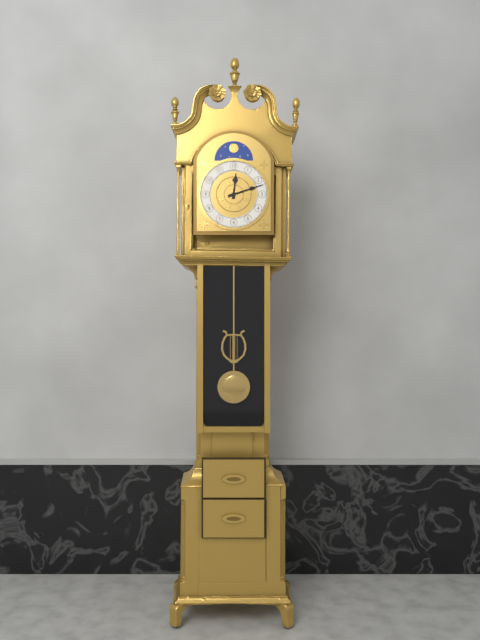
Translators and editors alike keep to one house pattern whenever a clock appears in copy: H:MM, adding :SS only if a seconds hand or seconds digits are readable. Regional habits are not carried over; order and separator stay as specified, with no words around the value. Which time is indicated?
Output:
12:12
